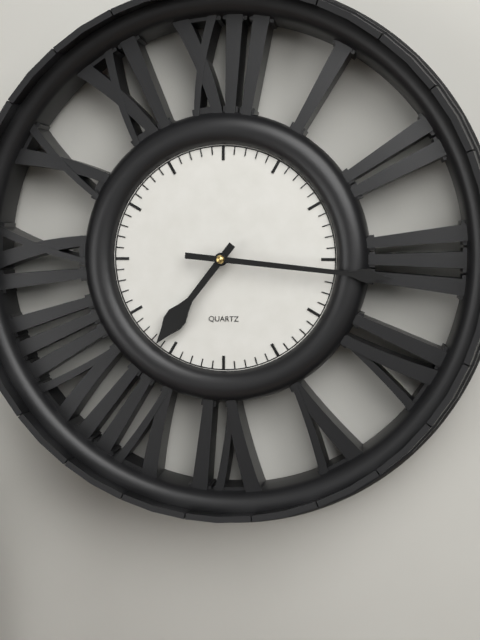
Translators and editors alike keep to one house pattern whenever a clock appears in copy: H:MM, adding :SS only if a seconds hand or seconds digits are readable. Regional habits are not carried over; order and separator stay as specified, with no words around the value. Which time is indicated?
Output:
7:16
